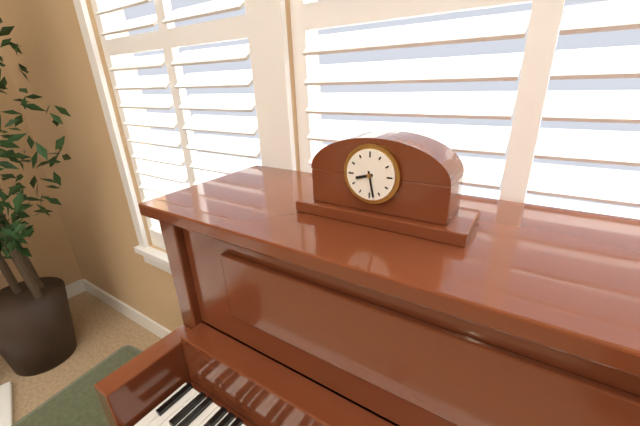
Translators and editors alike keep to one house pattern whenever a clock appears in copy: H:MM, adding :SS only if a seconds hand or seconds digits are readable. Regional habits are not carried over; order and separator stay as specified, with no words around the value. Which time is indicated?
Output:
8:28
